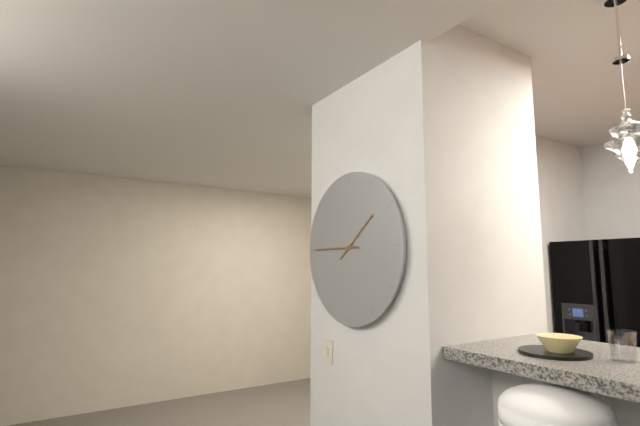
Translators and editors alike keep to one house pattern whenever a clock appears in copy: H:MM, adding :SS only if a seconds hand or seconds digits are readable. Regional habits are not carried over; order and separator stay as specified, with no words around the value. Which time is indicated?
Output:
1:45
